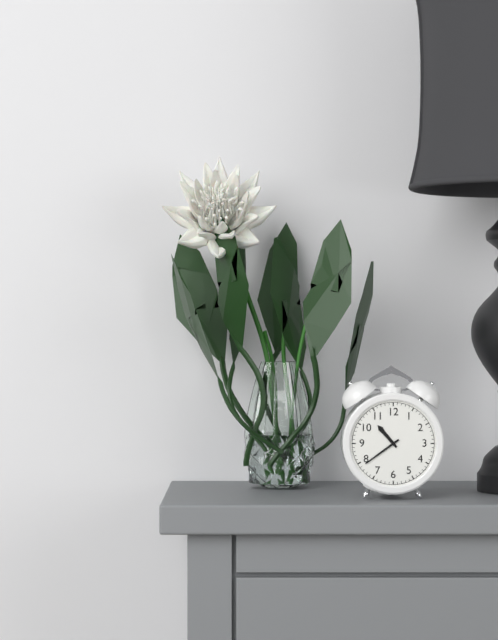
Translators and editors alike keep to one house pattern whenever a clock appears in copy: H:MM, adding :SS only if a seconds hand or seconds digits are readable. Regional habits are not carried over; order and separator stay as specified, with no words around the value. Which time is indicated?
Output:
10:39
